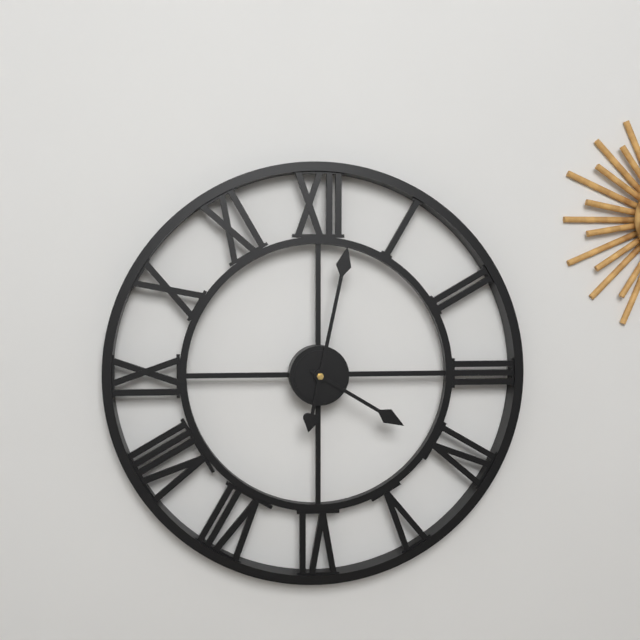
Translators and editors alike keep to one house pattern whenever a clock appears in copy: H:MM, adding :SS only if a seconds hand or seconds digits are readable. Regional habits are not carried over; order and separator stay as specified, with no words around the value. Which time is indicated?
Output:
4:02
